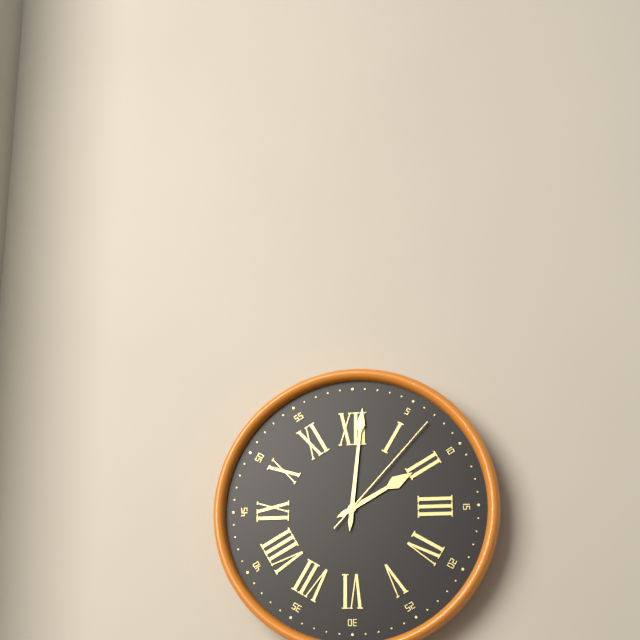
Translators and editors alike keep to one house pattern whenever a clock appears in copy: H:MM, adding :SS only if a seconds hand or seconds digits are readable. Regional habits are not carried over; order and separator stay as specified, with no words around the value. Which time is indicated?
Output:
2:01:07
